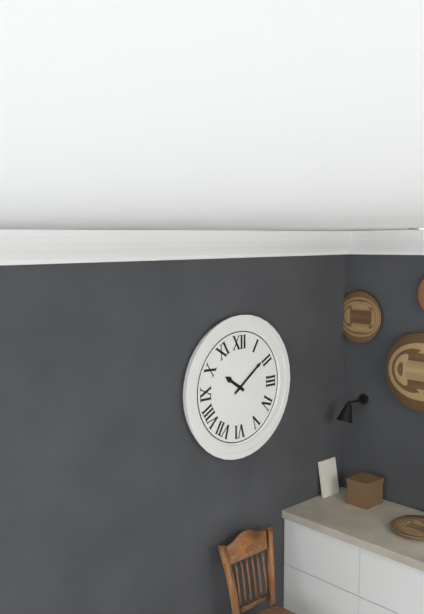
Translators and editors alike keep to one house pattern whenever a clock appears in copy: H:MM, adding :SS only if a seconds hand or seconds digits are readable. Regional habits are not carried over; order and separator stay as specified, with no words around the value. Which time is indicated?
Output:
10:09
